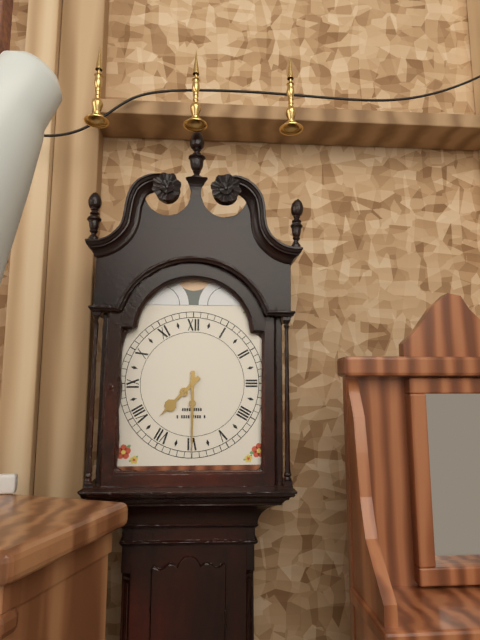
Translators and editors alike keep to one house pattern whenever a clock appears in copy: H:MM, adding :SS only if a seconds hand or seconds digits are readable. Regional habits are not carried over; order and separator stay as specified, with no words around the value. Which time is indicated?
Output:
7:30
